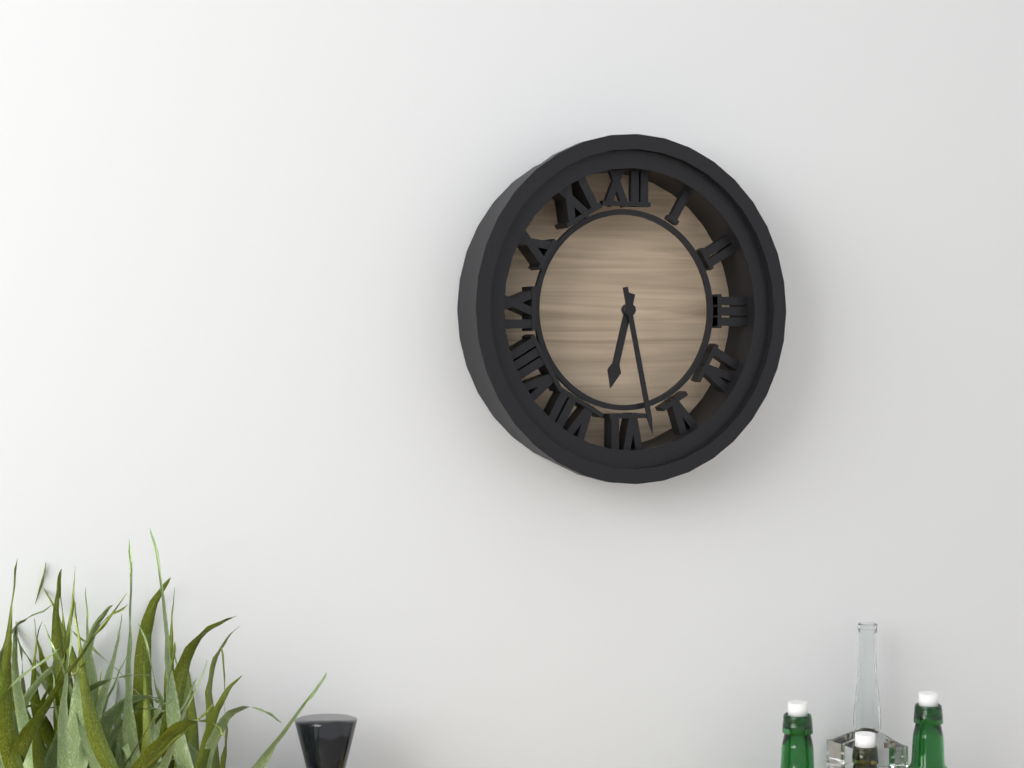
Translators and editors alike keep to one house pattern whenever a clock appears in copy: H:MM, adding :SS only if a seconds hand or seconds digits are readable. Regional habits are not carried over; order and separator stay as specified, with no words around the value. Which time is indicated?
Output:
6:28
